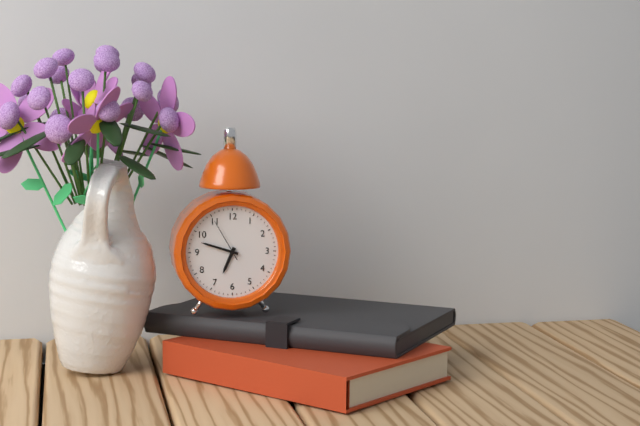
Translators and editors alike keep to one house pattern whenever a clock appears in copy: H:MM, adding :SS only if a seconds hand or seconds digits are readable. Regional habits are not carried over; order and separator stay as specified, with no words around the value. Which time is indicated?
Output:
6:48
